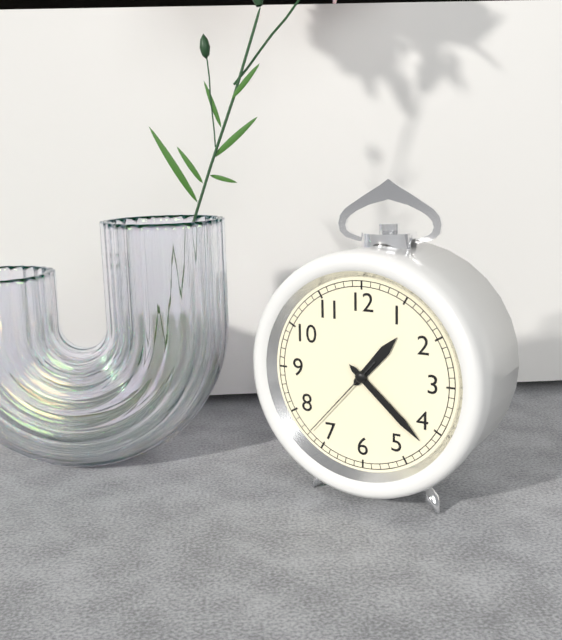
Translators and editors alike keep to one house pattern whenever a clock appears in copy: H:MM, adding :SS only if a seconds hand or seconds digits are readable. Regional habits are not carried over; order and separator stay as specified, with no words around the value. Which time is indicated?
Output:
1:22:37
